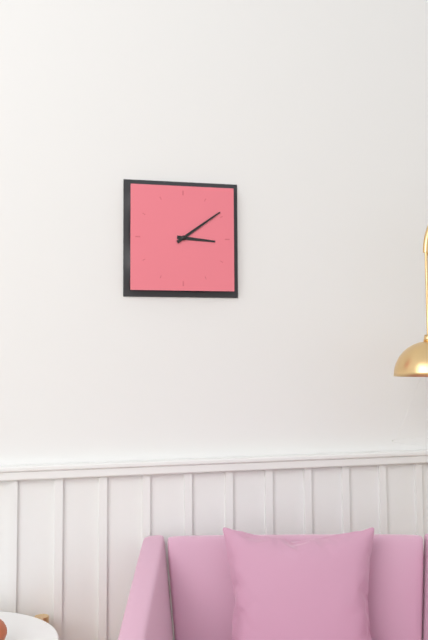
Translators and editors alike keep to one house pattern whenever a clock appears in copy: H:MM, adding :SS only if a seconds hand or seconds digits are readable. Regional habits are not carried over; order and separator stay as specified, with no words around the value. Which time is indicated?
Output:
3:09
